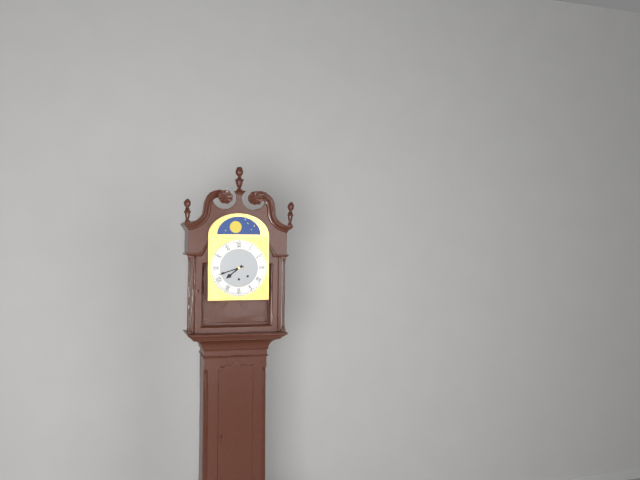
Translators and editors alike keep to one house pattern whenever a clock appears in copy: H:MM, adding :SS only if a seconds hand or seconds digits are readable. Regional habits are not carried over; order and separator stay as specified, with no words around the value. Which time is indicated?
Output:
7:42
